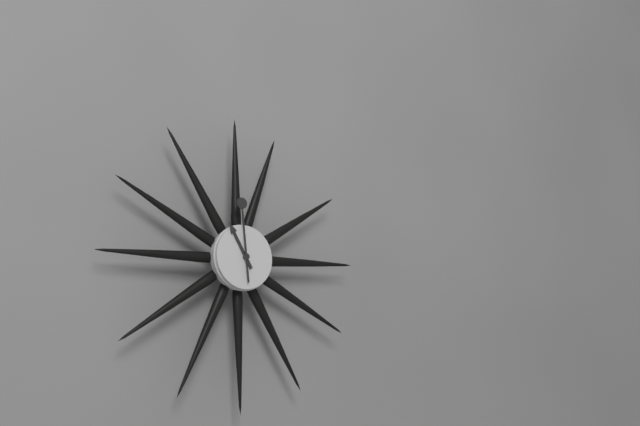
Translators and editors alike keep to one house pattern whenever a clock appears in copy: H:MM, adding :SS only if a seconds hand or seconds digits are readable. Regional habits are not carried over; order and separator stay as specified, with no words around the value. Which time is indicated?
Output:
10:59
